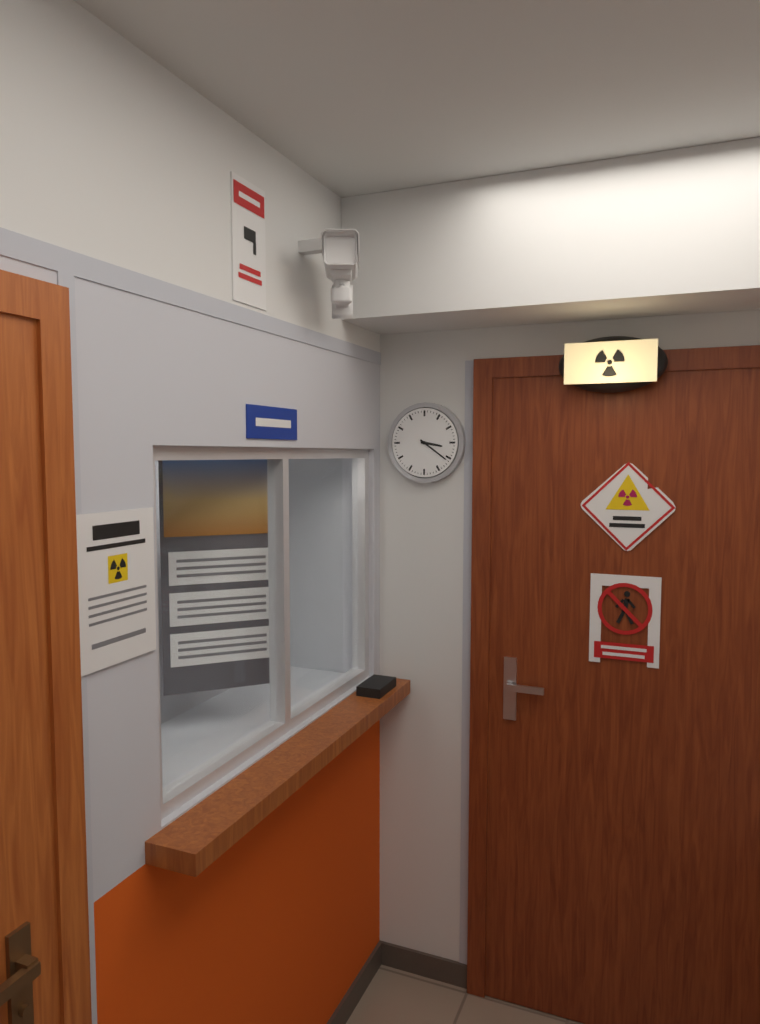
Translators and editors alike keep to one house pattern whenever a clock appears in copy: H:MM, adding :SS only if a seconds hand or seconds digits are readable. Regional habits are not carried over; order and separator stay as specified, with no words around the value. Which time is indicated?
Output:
3:21
